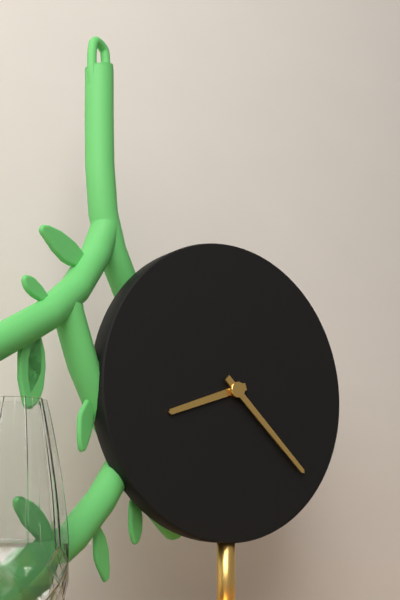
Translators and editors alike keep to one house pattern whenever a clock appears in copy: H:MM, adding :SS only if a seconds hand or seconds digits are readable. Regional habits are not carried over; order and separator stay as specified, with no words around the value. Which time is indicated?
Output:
8:22
